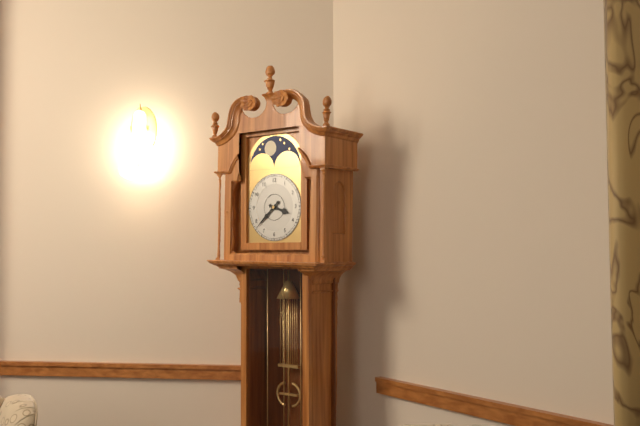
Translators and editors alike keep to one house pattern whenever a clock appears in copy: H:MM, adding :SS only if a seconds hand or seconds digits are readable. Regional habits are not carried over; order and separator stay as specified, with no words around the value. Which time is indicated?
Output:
3:38
